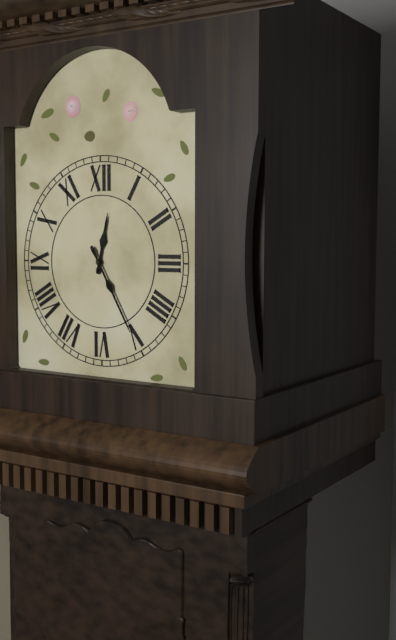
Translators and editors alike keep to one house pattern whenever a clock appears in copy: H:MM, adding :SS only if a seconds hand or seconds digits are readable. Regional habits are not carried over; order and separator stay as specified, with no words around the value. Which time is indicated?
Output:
12:25
